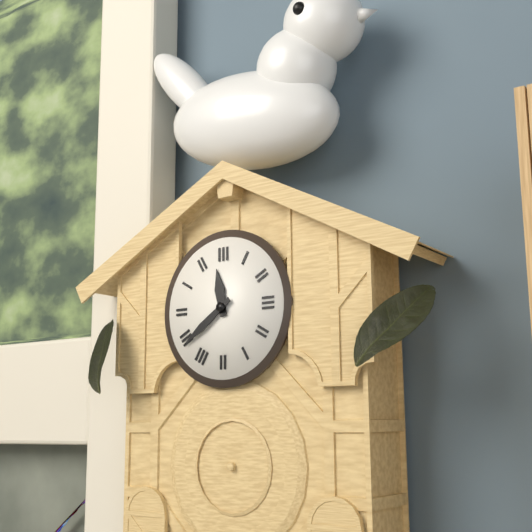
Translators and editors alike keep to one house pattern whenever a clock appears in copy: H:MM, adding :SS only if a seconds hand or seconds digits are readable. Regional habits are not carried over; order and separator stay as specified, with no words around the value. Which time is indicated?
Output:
11:39
